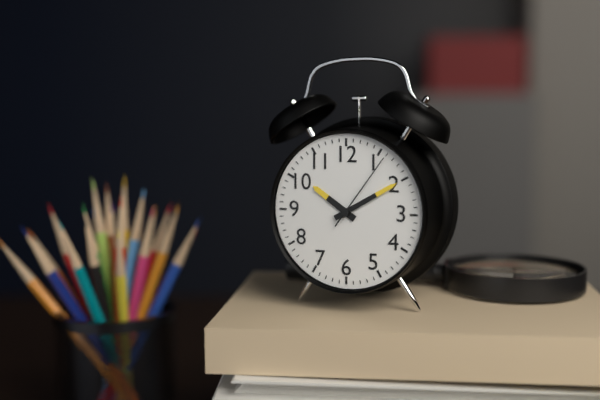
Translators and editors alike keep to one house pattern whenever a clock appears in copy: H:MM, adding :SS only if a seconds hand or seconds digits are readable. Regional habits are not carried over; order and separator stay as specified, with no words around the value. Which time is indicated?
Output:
10:10:06
